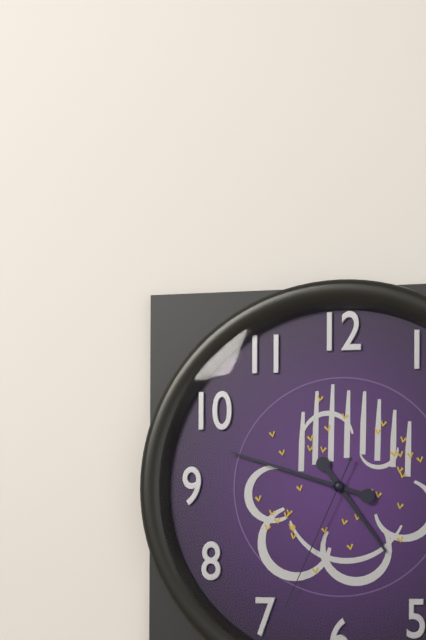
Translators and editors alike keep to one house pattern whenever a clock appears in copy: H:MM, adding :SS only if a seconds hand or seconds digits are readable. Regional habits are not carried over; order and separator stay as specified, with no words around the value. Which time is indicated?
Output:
4:48:34
